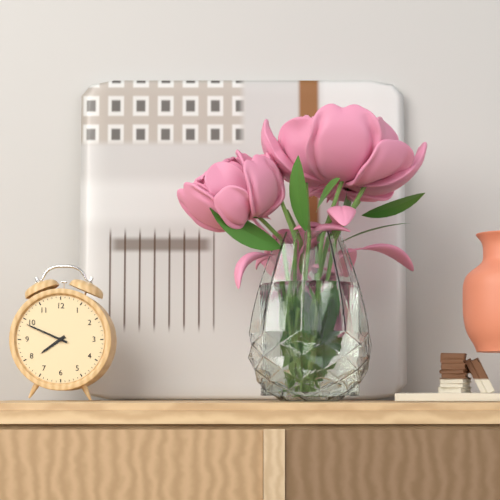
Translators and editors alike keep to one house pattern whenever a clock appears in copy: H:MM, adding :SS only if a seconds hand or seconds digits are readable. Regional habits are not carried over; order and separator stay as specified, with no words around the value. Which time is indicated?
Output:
7:49
